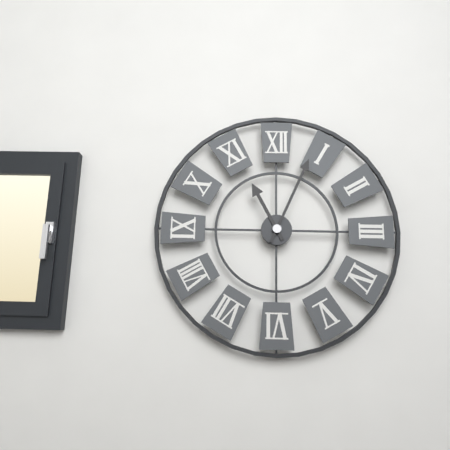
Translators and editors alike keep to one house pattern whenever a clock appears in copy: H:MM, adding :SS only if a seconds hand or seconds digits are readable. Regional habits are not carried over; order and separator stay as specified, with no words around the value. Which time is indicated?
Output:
11:04
